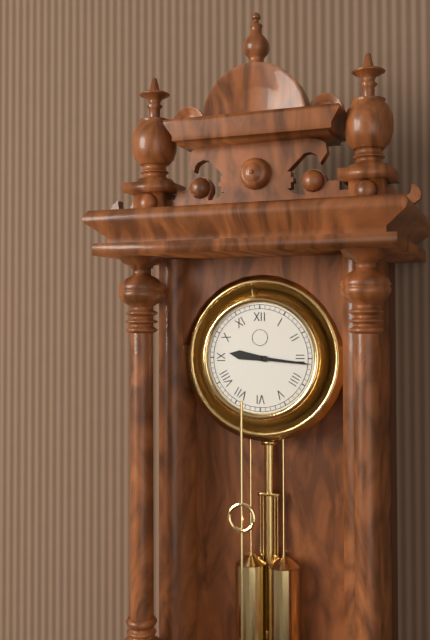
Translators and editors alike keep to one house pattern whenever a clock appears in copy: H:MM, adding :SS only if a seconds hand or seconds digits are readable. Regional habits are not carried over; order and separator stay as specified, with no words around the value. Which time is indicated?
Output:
9:16
